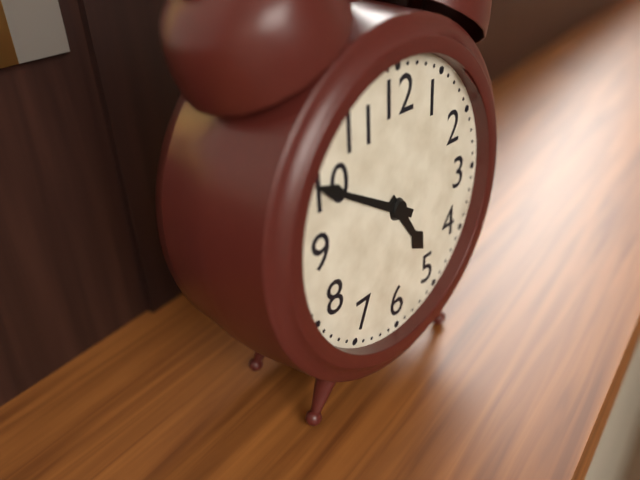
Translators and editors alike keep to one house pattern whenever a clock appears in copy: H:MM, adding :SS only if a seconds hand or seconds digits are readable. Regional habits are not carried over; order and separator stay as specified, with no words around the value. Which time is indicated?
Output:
4:50
